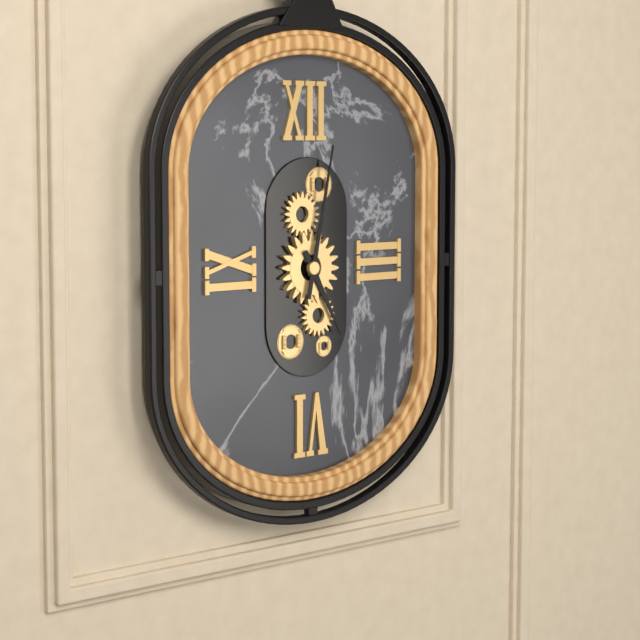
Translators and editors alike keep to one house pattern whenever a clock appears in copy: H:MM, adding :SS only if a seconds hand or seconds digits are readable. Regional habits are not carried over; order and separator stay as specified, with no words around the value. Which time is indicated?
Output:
5:02
